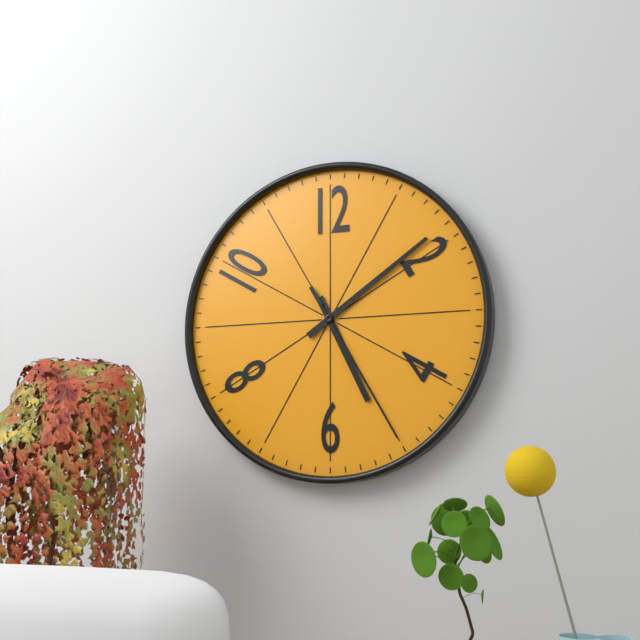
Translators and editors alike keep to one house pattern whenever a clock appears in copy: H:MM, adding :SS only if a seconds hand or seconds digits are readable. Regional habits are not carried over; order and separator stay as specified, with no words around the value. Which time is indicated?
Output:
5:09:25
